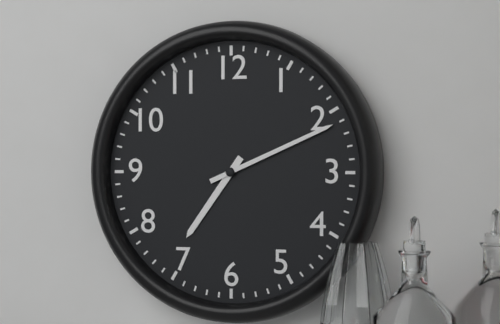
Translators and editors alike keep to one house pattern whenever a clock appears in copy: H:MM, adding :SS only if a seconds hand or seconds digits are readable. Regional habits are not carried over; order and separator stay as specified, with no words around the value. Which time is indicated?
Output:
7:11
